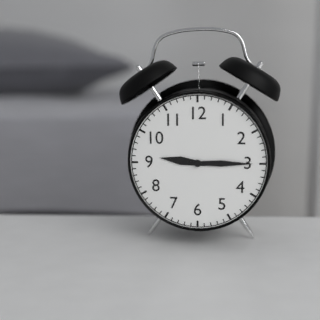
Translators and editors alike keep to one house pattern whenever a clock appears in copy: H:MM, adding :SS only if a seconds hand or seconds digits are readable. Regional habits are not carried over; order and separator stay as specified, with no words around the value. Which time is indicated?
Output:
9:15
